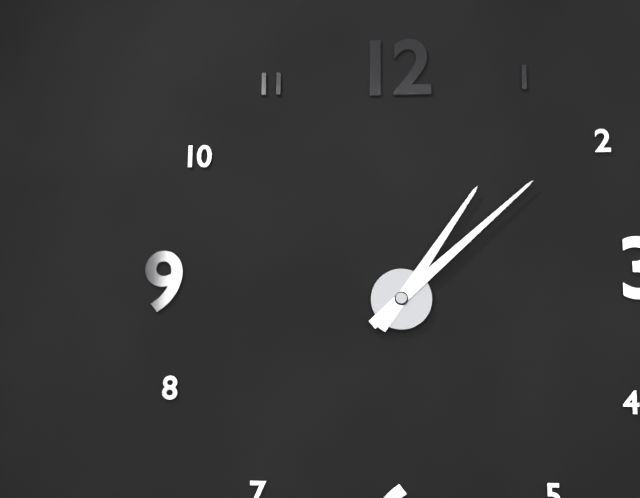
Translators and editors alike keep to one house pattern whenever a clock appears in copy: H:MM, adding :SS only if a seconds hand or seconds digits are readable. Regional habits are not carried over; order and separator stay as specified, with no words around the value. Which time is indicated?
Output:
1:08
